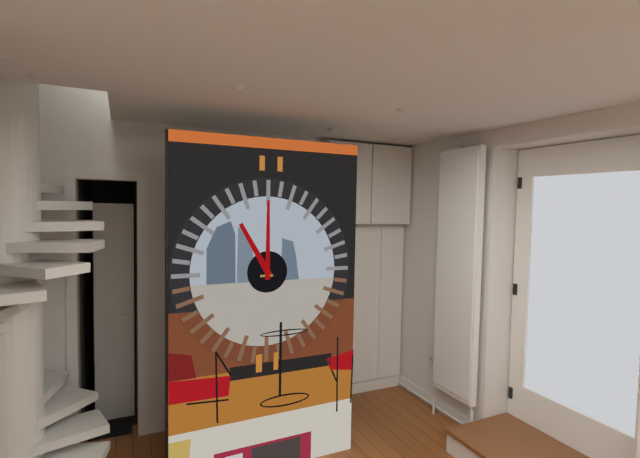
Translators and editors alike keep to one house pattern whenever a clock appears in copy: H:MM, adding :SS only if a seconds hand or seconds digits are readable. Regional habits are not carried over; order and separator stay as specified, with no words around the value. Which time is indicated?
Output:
11:00
